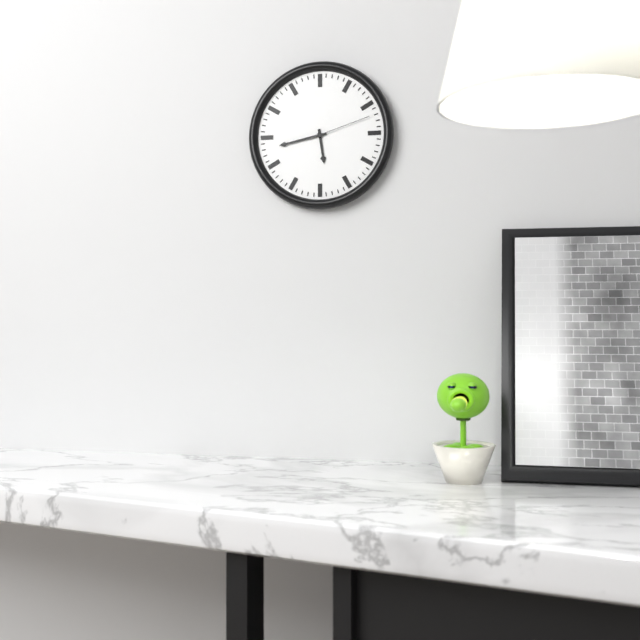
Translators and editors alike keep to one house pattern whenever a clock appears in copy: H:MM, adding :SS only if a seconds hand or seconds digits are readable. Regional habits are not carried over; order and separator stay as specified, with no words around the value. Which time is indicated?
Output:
5:43:12
